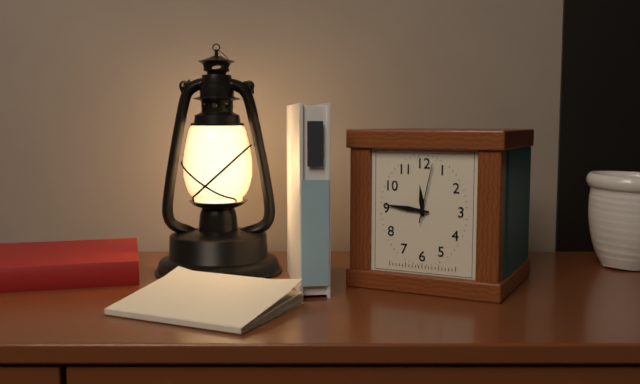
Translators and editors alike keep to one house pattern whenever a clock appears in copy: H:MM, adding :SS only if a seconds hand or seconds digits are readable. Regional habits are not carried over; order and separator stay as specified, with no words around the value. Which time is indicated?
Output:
11:46:02
